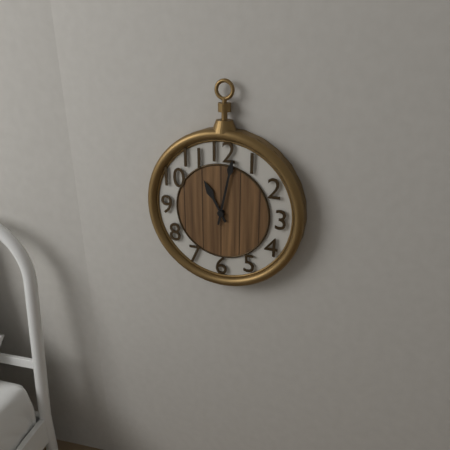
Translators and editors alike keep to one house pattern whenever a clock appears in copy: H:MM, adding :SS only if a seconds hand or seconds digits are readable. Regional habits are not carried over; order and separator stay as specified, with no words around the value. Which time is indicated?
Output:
11:02
